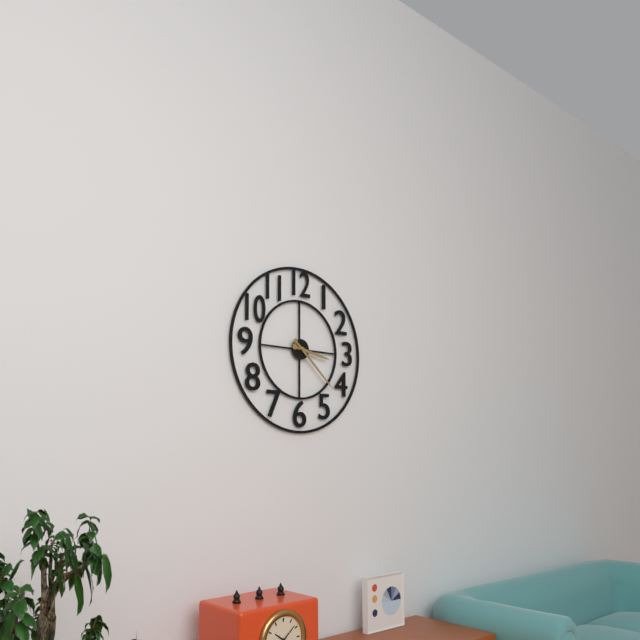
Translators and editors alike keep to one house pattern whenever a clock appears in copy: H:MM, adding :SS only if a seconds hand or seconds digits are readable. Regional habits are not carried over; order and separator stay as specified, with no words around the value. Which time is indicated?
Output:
3:22
